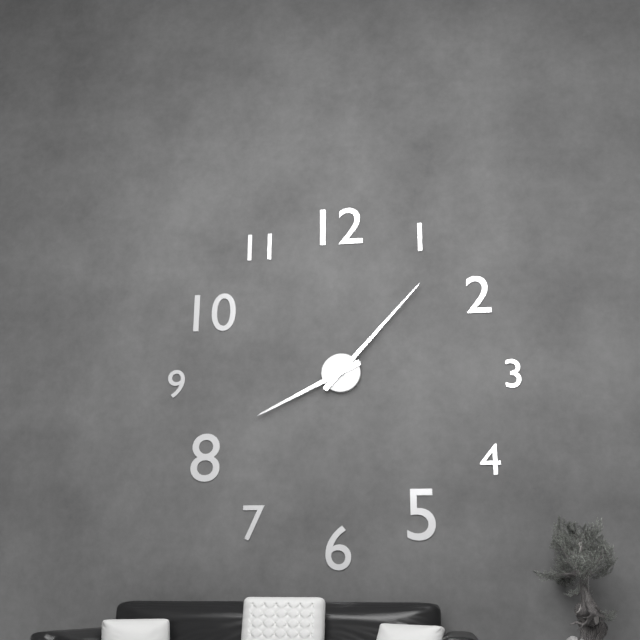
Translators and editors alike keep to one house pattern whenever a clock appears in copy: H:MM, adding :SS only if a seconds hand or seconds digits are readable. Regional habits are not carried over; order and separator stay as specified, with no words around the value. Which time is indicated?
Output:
8:07
